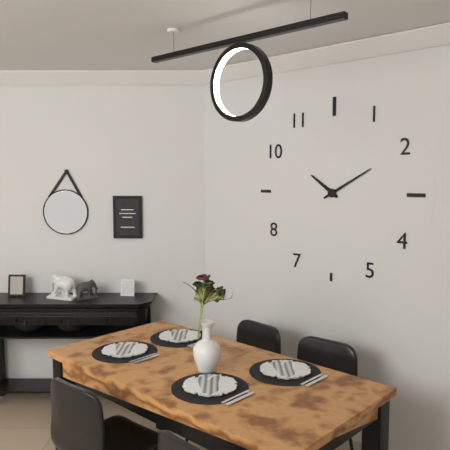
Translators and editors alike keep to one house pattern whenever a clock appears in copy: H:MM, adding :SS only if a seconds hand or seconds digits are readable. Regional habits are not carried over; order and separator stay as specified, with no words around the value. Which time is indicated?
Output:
10:10
